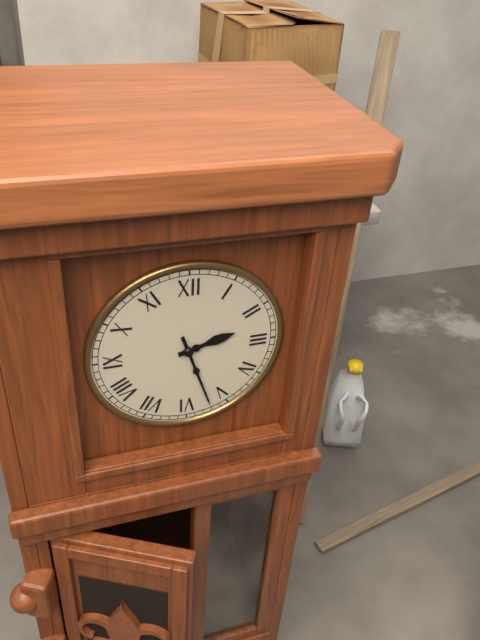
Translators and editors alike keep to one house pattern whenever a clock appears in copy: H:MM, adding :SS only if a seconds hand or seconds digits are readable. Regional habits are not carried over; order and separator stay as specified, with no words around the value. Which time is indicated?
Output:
2:27
